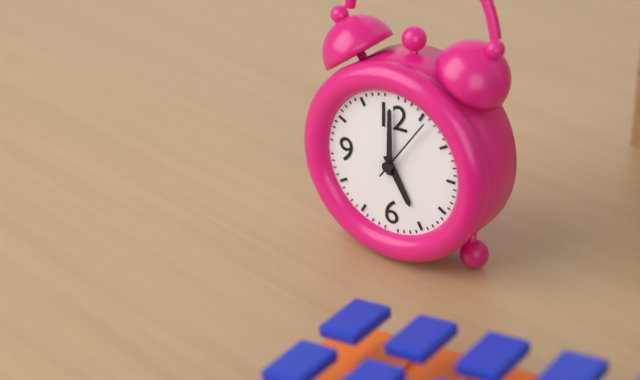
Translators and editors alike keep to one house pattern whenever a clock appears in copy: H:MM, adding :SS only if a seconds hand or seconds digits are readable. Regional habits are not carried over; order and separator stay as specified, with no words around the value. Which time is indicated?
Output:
5:00:06
